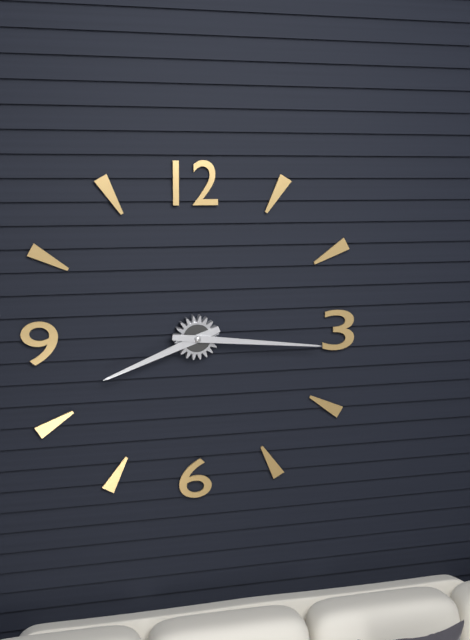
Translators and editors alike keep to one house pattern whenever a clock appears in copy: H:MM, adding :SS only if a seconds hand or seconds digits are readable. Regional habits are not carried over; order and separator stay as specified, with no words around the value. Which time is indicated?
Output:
8:16
